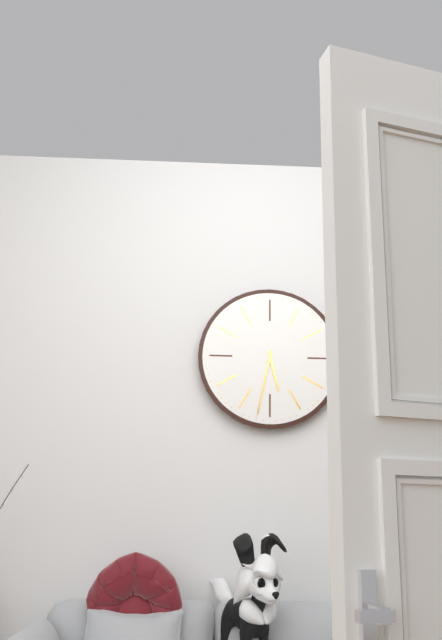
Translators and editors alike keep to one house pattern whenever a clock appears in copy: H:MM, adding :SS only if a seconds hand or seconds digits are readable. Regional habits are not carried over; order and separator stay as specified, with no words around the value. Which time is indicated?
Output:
5:32
